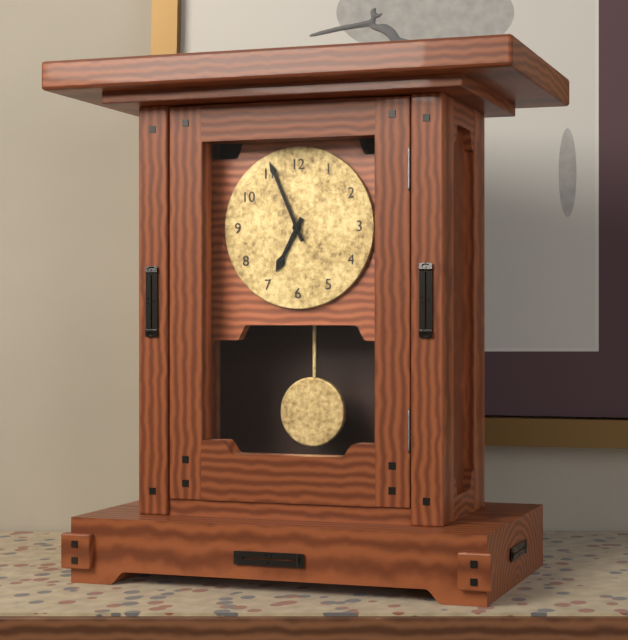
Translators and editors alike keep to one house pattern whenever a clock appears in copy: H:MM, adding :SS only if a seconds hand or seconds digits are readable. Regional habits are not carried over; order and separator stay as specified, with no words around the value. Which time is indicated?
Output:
6:56
